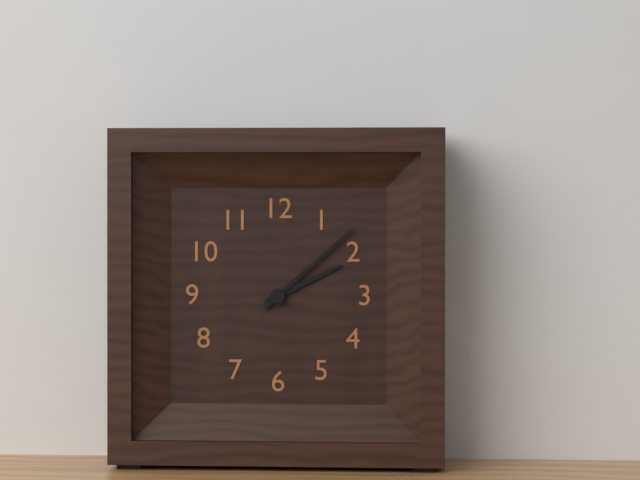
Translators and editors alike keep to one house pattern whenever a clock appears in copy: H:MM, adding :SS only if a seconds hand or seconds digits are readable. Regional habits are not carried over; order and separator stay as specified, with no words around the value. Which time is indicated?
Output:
2:08
